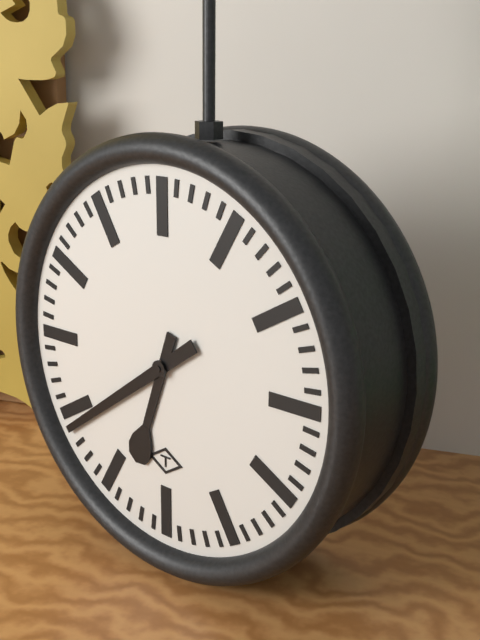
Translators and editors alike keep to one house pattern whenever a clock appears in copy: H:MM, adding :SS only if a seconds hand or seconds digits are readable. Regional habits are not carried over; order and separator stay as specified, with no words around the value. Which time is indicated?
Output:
6:39
